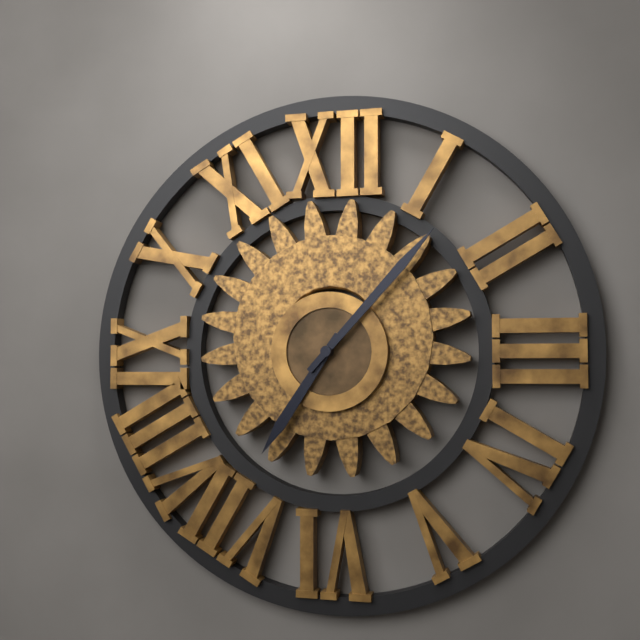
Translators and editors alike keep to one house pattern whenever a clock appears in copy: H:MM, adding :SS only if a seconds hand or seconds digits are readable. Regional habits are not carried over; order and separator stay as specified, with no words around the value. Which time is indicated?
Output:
7:07
